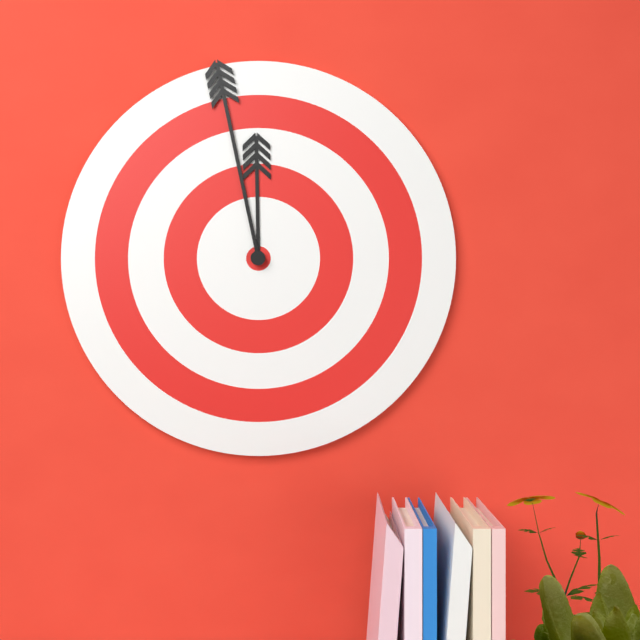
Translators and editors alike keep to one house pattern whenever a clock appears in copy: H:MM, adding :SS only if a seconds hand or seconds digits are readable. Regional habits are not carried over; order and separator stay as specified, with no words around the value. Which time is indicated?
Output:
11:58
